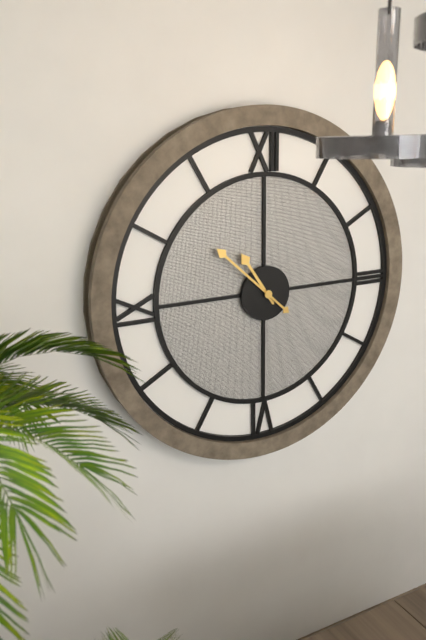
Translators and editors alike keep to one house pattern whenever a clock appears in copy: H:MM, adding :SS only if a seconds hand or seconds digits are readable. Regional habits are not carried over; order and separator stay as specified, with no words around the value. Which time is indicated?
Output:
10:52
